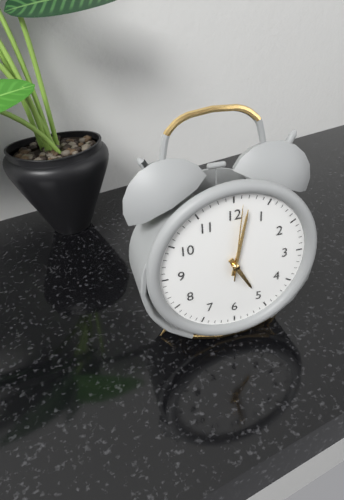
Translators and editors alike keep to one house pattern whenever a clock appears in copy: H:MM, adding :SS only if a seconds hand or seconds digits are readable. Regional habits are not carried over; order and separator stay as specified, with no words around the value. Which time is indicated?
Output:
5:02:01
